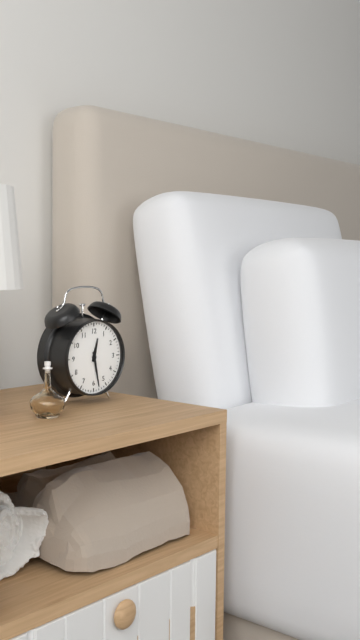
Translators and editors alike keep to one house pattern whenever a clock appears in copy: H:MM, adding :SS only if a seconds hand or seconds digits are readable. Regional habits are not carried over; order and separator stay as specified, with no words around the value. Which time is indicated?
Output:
12:28
